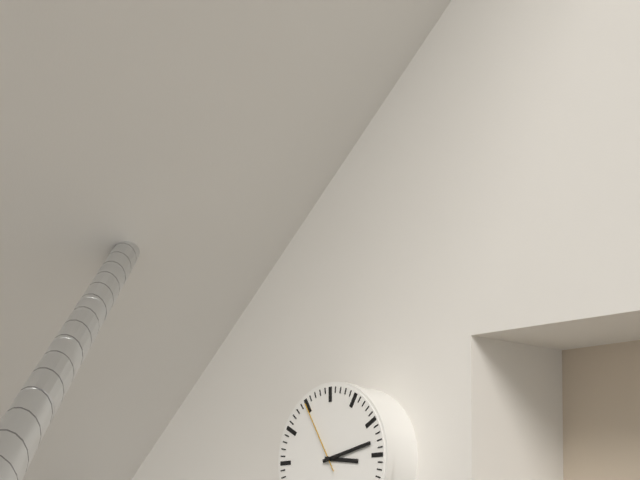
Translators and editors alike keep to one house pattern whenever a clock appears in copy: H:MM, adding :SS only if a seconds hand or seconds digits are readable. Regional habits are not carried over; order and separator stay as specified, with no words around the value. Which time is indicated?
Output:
3:13:55
